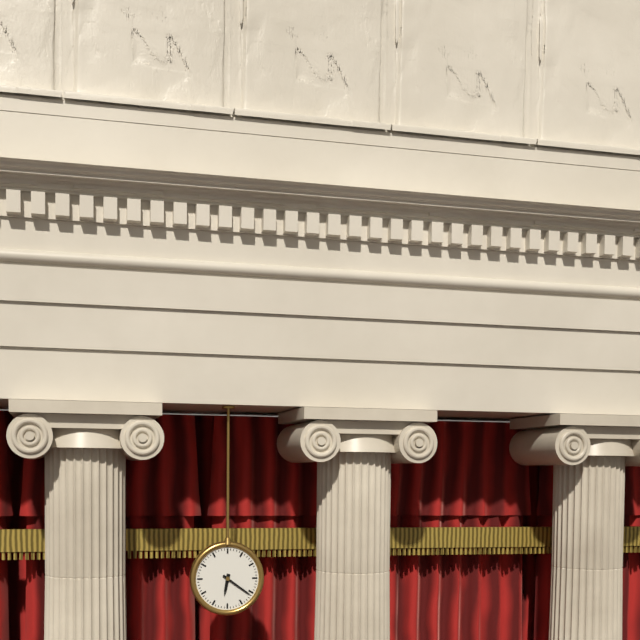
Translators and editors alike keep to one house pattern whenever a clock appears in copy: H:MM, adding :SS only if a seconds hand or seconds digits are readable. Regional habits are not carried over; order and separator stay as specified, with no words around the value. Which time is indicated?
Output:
6:21
